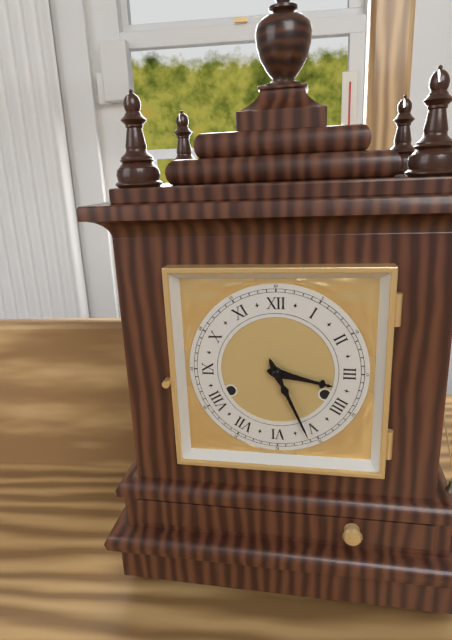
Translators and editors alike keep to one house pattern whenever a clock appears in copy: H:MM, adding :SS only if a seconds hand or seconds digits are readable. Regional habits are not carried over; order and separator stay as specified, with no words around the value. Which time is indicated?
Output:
3:26
